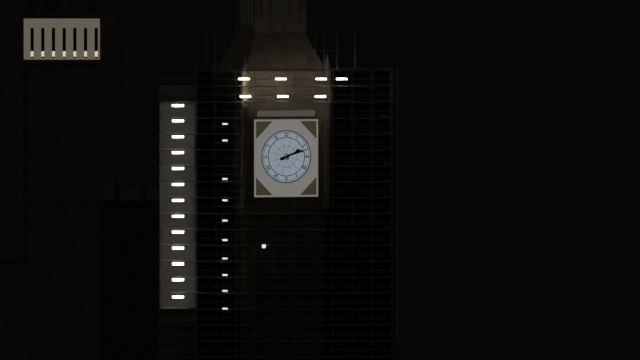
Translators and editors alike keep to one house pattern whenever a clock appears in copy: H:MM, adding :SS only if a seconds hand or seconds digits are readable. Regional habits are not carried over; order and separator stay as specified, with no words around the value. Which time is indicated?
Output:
2:12
